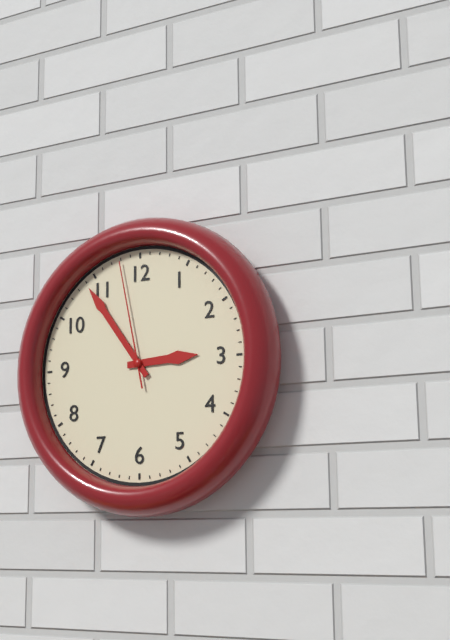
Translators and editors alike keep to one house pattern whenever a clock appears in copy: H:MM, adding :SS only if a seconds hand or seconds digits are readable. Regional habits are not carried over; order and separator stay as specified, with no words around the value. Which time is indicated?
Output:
2:54:58
